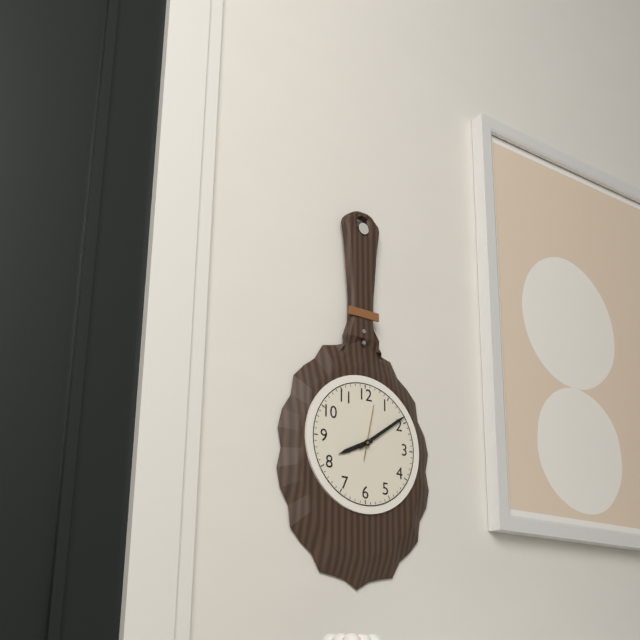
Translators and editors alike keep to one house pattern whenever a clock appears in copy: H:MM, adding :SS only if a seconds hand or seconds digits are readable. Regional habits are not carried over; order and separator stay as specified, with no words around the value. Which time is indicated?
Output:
8:09
